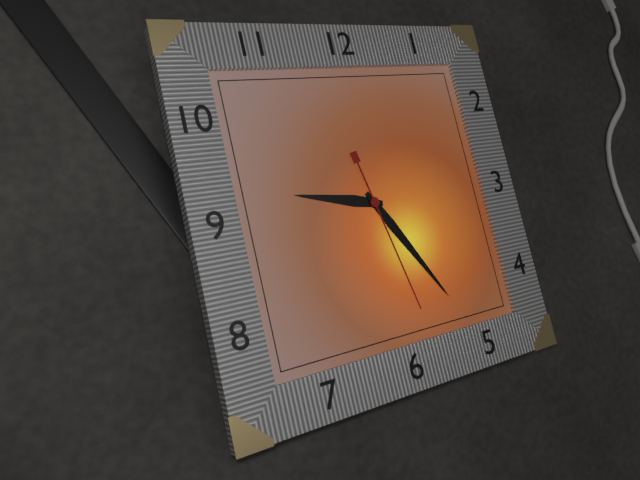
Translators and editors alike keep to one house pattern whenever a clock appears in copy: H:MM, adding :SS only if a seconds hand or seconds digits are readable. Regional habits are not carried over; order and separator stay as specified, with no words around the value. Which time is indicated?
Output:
9:25:28
